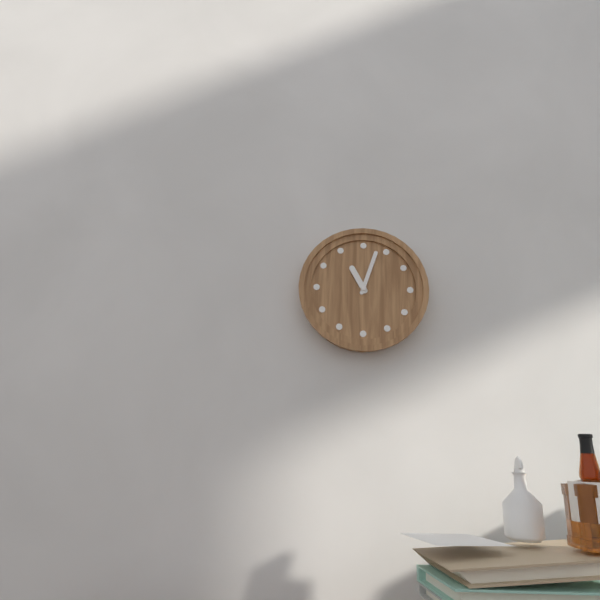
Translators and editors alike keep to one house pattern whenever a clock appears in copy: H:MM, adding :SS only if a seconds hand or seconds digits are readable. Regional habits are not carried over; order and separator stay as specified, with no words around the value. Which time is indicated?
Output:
11:03
